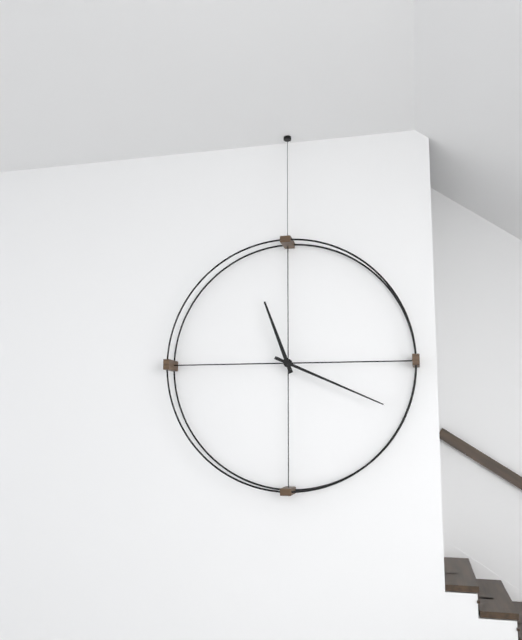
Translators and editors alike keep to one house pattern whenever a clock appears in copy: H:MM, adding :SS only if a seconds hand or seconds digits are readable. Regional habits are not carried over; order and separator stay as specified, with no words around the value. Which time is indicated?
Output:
11:19
